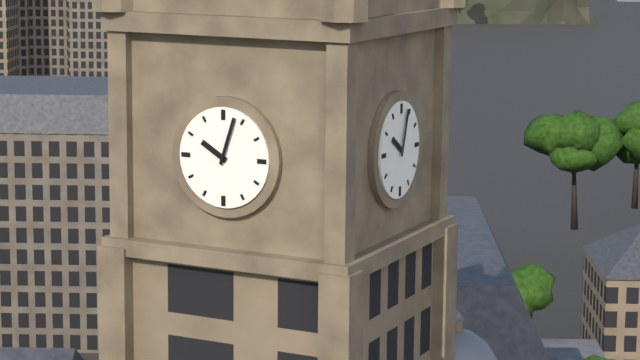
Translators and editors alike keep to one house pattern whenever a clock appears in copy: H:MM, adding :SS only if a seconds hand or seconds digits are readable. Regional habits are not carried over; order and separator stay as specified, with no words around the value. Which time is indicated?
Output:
10:03
